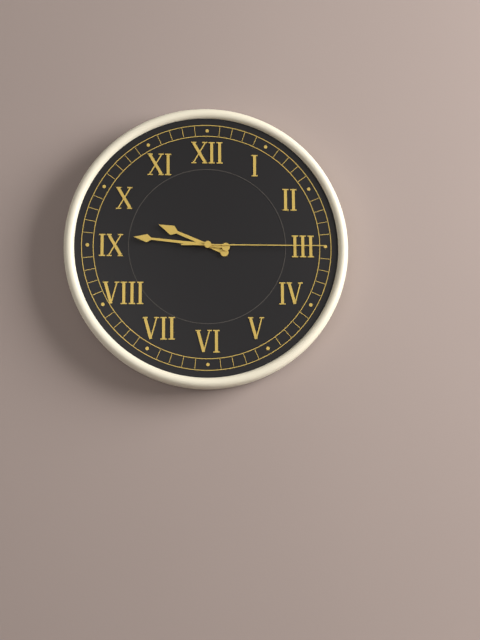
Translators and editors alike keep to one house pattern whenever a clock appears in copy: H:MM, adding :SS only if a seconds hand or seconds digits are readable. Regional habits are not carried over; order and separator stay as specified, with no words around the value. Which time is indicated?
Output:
9:46:15
